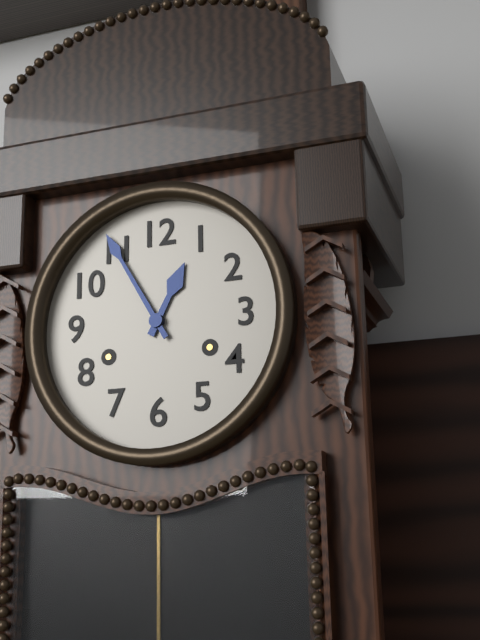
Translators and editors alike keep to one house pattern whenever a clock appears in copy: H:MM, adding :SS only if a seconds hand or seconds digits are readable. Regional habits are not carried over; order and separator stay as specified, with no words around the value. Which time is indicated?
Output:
12:55
